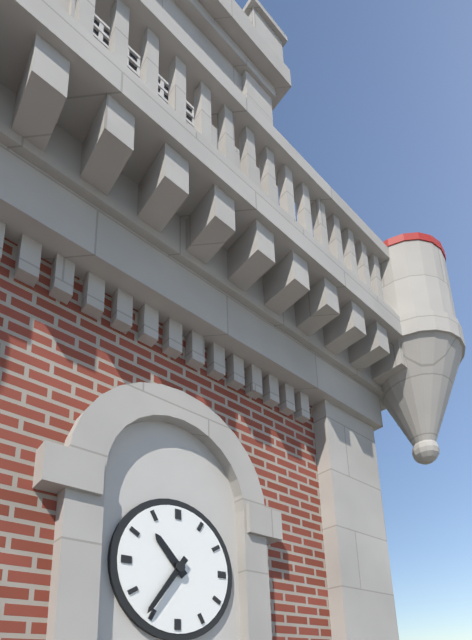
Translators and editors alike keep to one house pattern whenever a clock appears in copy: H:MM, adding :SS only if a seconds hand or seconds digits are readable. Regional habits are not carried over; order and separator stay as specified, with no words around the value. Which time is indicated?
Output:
10:36
